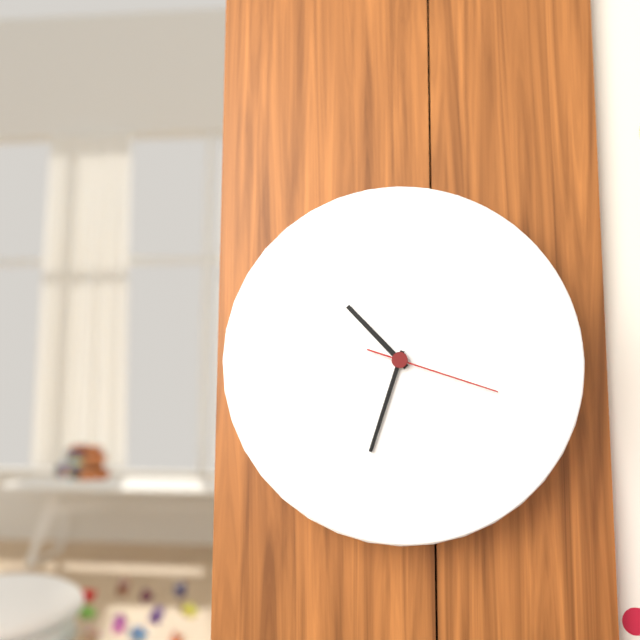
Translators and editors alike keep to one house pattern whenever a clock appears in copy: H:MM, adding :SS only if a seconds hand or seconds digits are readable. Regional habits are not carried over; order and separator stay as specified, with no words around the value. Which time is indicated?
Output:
10:33:18
